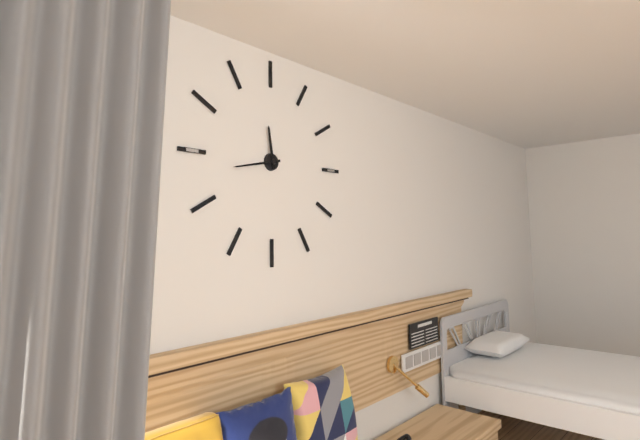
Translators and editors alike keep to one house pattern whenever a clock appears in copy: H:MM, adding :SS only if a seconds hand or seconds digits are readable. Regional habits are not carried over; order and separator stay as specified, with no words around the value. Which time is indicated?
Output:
11:43
